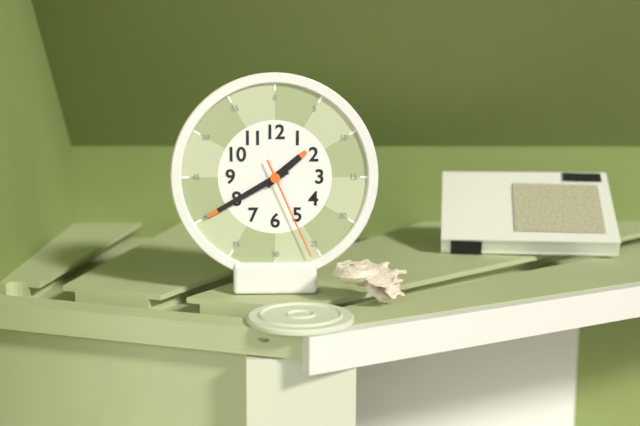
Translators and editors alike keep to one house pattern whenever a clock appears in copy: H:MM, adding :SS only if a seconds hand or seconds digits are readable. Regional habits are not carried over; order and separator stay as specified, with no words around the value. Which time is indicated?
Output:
1:40:26
